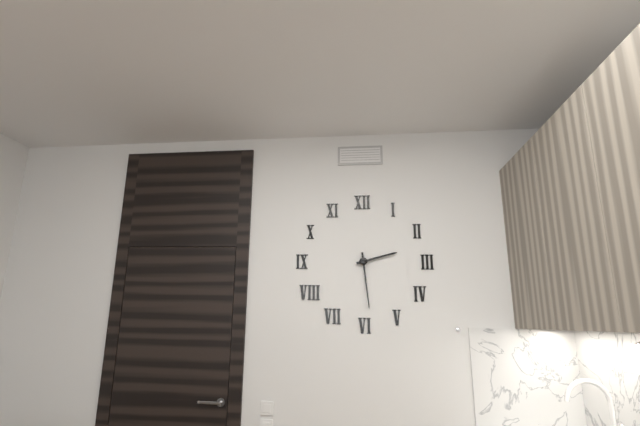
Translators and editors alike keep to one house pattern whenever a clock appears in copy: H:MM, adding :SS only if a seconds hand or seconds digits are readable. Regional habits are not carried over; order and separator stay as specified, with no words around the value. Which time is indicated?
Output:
2:29
